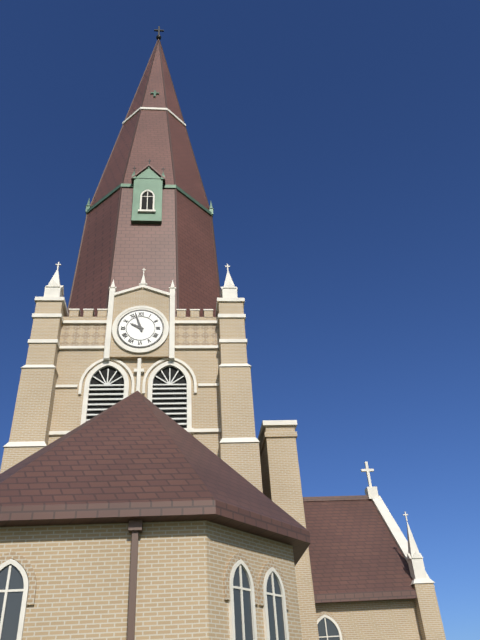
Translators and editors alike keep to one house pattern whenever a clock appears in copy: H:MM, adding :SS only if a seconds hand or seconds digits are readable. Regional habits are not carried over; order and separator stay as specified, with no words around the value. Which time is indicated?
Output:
9:57
